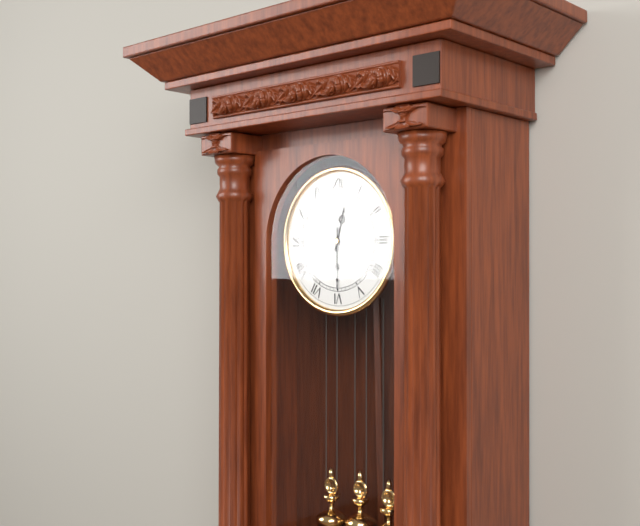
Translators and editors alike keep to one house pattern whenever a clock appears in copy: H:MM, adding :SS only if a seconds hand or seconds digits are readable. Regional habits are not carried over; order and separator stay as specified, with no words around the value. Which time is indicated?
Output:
12:30
